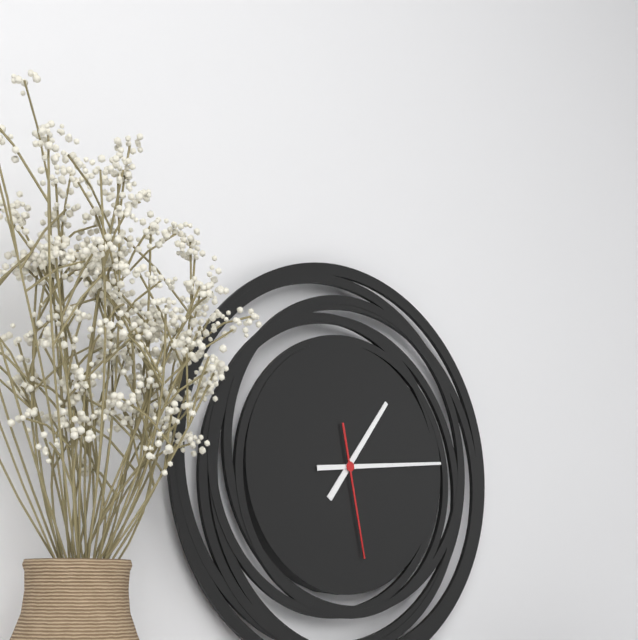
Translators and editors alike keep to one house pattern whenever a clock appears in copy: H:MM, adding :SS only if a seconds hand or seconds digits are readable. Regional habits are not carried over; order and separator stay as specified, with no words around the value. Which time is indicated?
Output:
1:14:28
